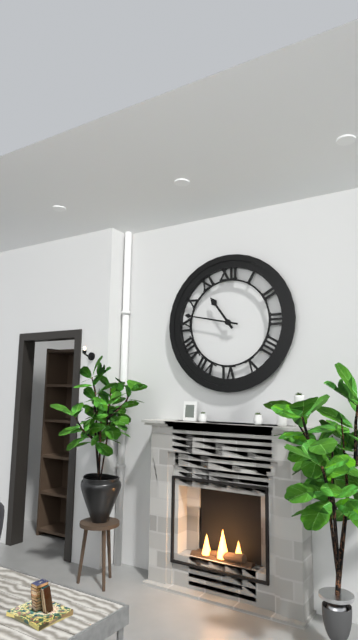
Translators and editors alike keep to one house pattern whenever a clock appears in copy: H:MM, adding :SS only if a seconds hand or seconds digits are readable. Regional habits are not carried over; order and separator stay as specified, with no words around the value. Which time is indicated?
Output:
10:47
